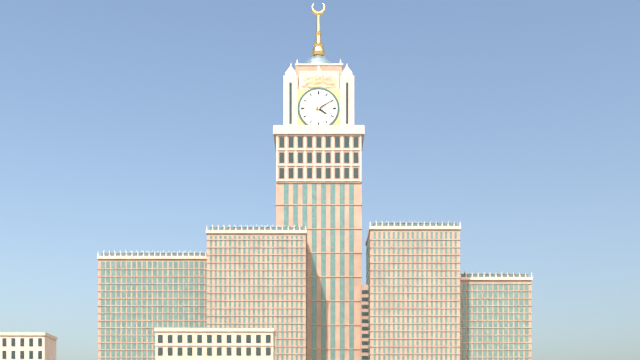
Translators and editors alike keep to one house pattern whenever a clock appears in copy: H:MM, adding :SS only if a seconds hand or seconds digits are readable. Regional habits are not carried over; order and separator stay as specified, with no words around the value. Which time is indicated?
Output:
4:10
